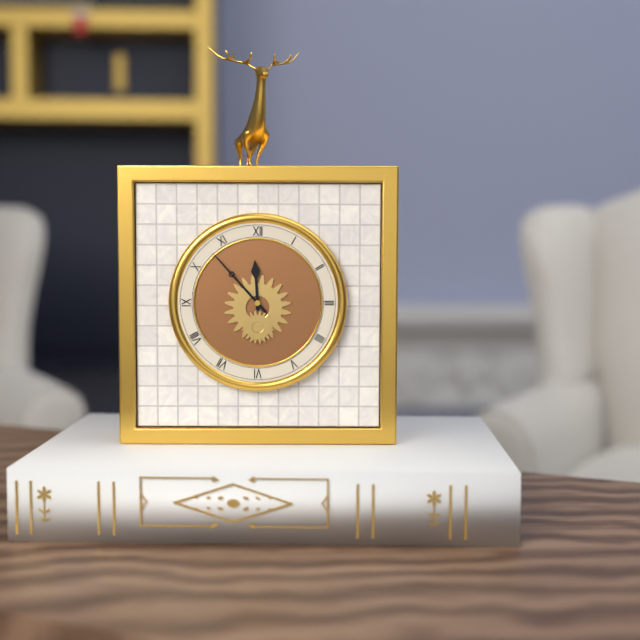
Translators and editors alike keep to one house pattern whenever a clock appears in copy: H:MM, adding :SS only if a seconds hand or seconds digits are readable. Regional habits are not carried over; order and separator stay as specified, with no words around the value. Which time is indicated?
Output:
11:53
